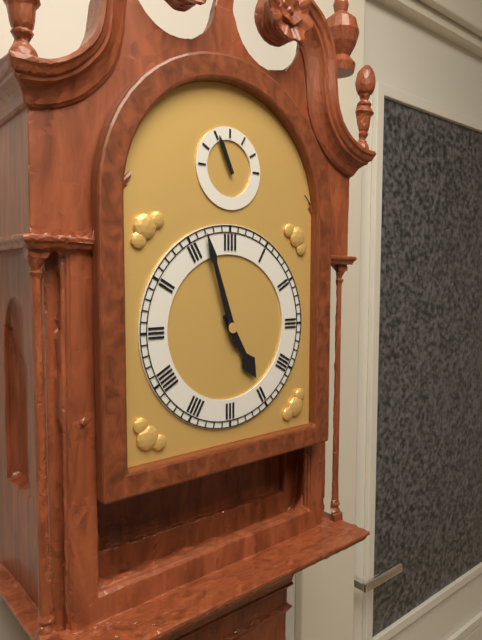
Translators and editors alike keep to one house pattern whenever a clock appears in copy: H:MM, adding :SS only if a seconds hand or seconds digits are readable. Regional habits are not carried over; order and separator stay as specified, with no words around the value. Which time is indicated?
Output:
4:57
